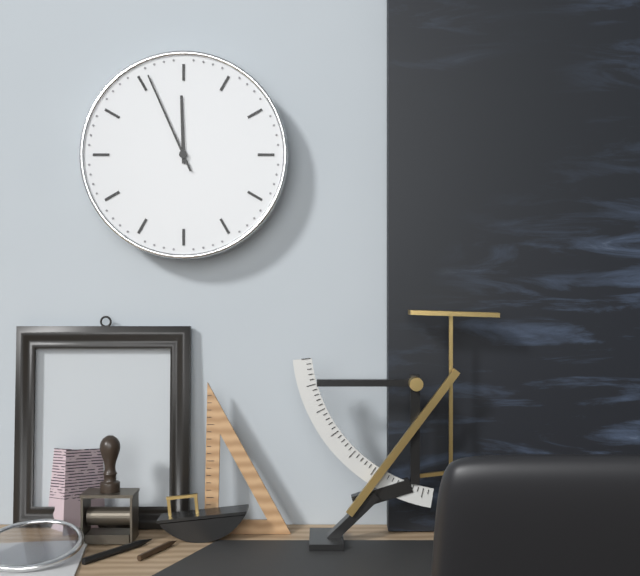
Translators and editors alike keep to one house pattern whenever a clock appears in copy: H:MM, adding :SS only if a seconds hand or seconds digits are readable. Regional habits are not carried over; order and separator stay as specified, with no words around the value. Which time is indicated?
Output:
11:56
